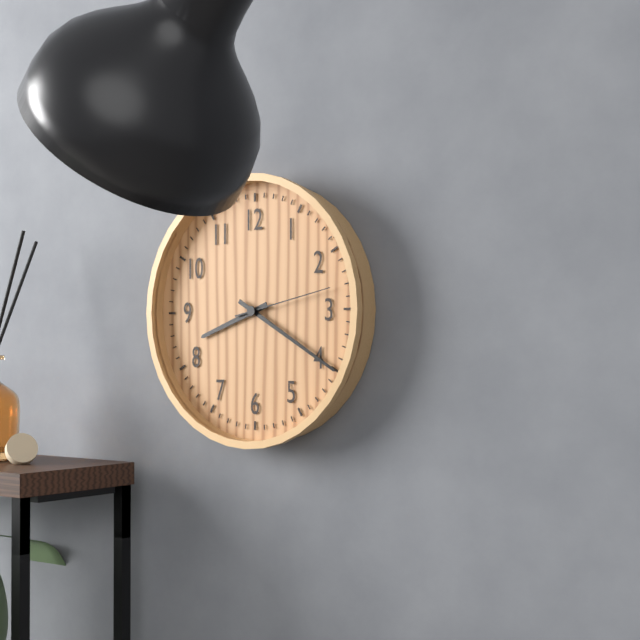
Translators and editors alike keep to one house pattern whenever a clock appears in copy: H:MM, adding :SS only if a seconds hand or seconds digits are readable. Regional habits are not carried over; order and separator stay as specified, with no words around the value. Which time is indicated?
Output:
8:20:13
